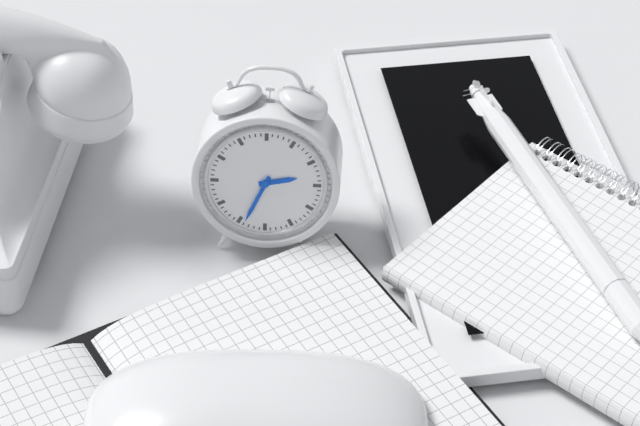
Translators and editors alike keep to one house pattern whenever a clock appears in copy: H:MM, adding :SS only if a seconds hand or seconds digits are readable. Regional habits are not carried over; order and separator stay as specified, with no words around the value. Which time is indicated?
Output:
2:34
